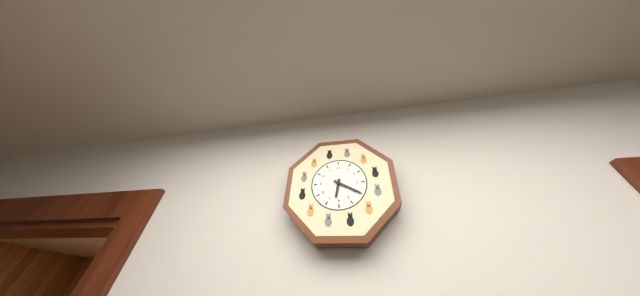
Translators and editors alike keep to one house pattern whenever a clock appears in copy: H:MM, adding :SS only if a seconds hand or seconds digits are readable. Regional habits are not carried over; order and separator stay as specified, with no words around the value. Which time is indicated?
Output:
6:20
